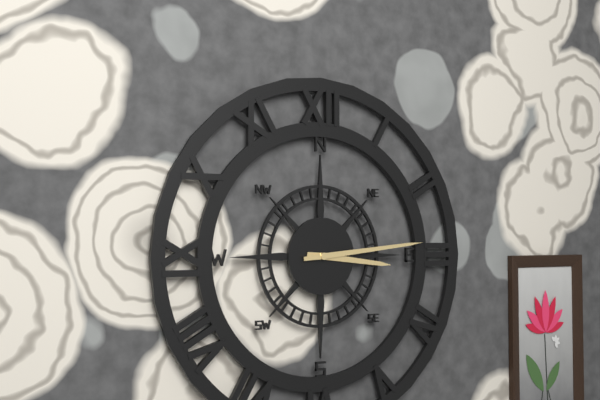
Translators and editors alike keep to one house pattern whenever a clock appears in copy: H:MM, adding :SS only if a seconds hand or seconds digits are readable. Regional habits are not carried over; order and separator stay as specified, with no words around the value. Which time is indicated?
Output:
3:14
